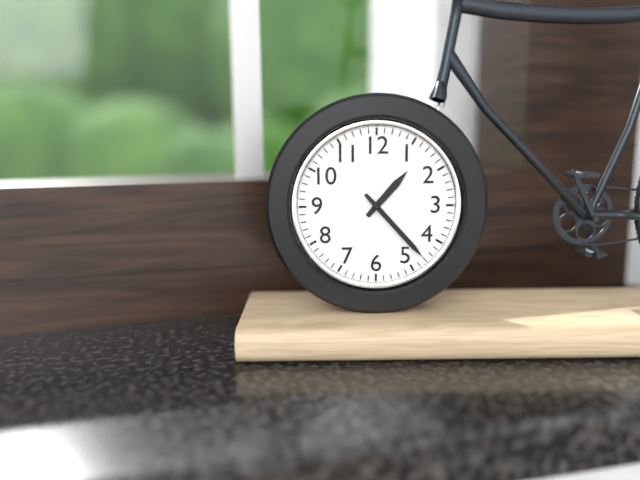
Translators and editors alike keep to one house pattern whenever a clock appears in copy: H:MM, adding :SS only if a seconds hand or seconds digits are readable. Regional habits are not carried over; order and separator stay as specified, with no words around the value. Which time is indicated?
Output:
1:23
